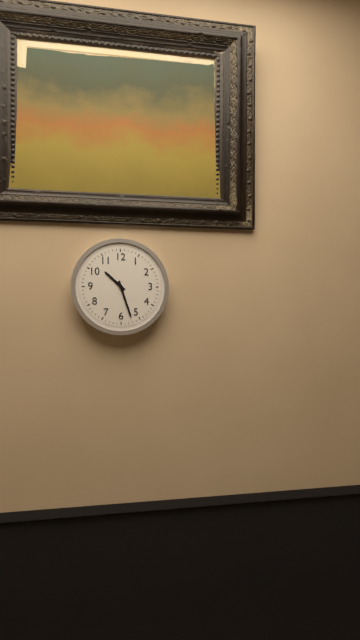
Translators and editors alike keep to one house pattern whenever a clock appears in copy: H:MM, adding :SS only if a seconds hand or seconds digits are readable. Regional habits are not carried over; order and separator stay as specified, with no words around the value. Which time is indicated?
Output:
10:27
